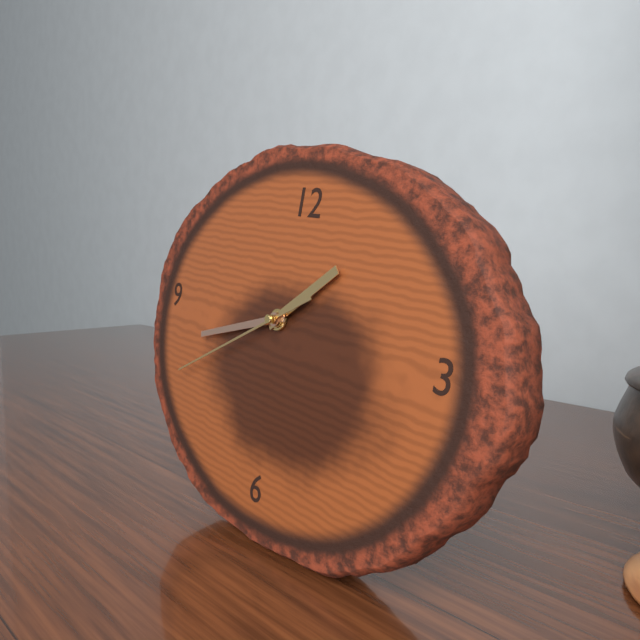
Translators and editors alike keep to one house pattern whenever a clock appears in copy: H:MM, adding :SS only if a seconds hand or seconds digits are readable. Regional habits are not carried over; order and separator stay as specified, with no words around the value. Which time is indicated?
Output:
1:42:40
